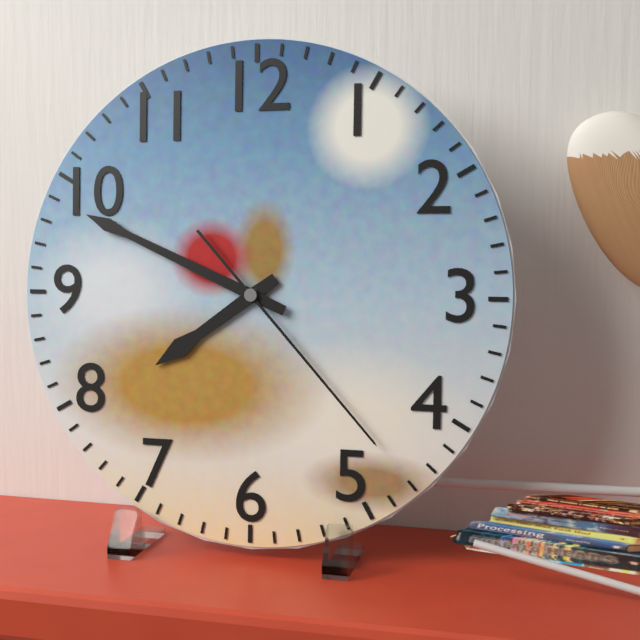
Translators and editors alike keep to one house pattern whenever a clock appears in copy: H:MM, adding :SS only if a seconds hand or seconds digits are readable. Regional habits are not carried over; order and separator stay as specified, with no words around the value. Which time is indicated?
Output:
7:49:23
